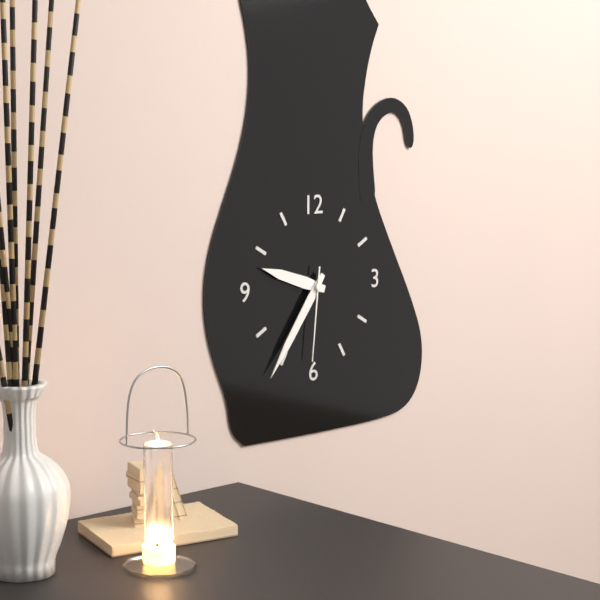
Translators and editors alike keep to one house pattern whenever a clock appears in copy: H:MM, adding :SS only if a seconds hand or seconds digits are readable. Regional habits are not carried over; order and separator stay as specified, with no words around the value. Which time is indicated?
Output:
9:36:31
